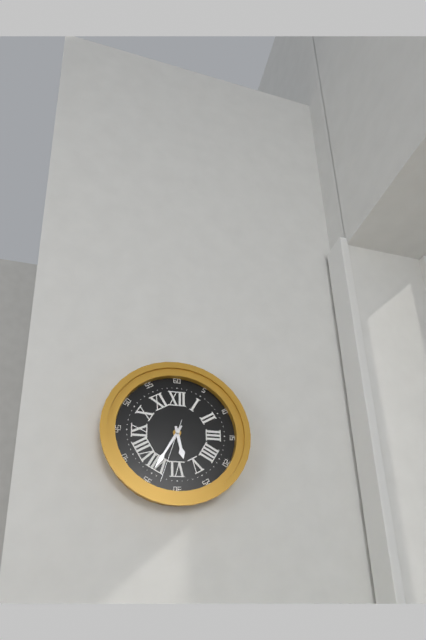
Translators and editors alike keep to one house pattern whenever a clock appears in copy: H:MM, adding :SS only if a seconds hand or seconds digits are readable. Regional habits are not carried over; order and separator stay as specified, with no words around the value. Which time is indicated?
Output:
5:35:33
